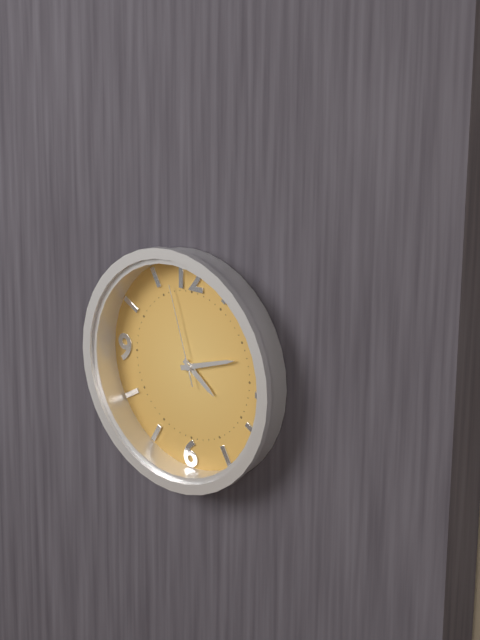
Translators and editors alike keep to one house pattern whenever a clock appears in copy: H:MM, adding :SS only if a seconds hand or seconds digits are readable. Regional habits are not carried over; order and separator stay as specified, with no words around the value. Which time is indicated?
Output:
4:12:57
